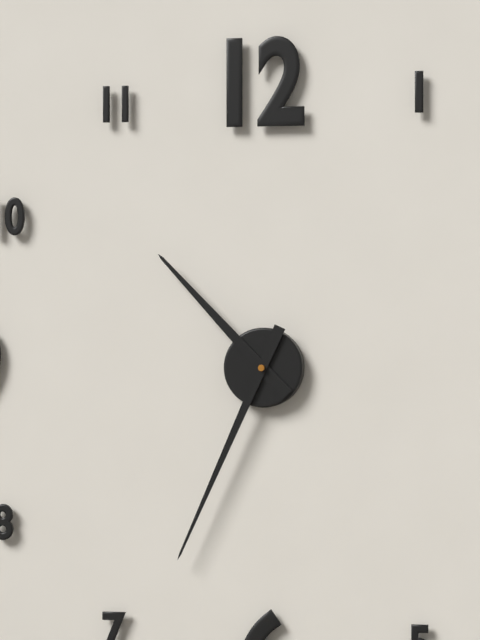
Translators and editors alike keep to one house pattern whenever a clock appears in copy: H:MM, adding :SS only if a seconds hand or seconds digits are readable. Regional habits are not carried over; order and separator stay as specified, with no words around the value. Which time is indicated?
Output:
10:34
